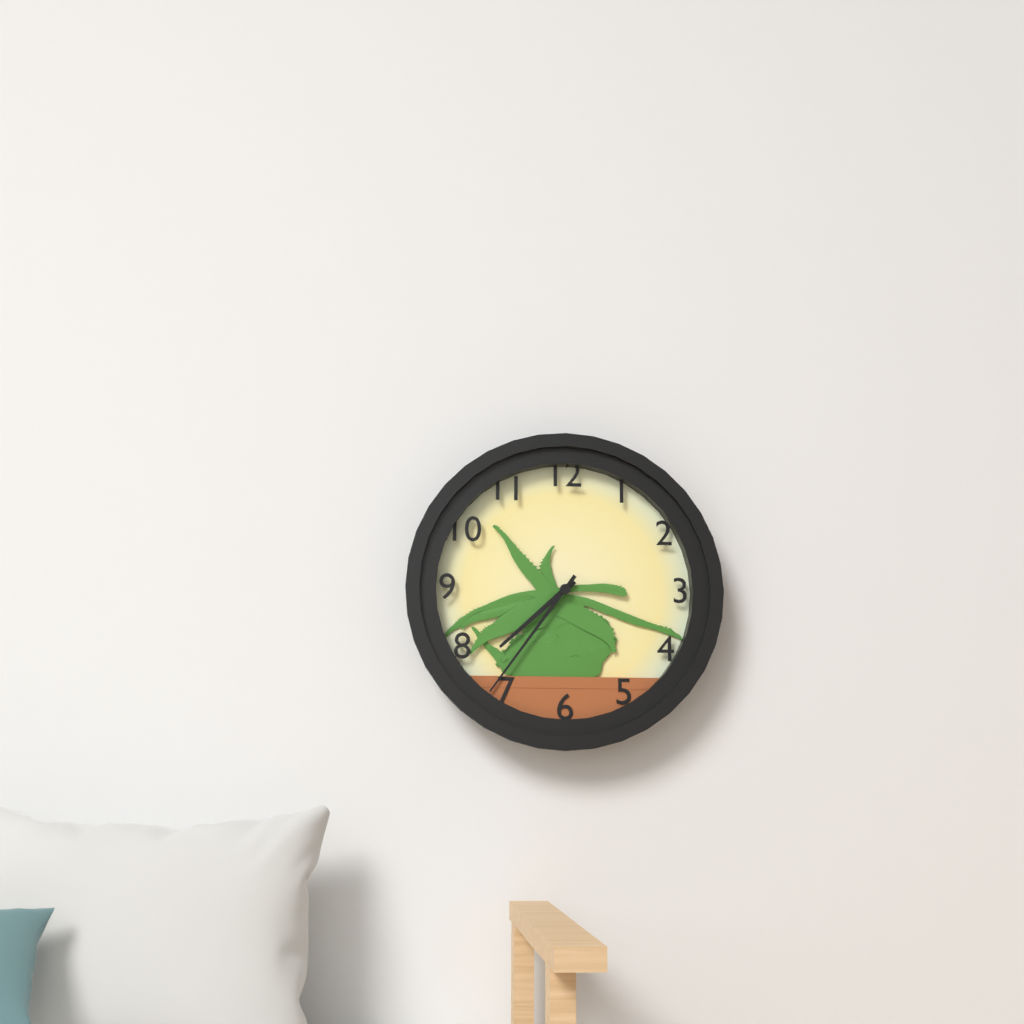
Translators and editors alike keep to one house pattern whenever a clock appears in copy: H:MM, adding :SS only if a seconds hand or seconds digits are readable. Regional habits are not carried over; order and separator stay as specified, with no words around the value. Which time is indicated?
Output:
7:36
